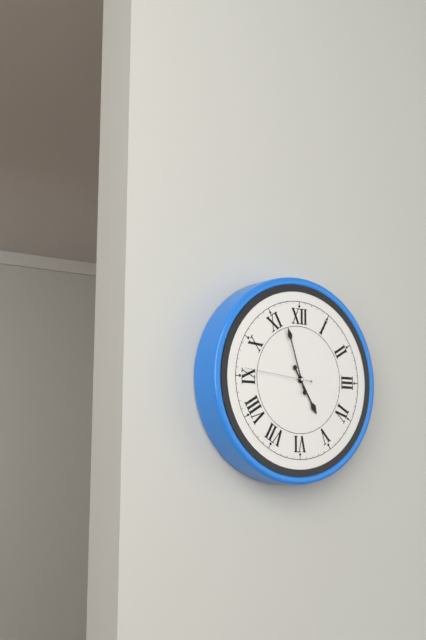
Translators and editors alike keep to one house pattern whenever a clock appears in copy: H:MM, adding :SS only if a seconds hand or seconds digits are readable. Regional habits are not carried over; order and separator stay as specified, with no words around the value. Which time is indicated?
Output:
4:57:46
